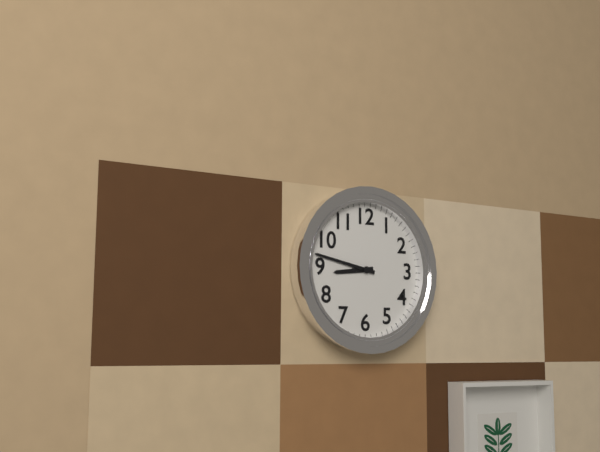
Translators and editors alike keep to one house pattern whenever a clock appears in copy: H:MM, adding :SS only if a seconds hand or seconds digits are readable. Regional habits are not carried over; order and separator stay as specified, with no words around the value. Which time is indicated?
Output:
8:47
